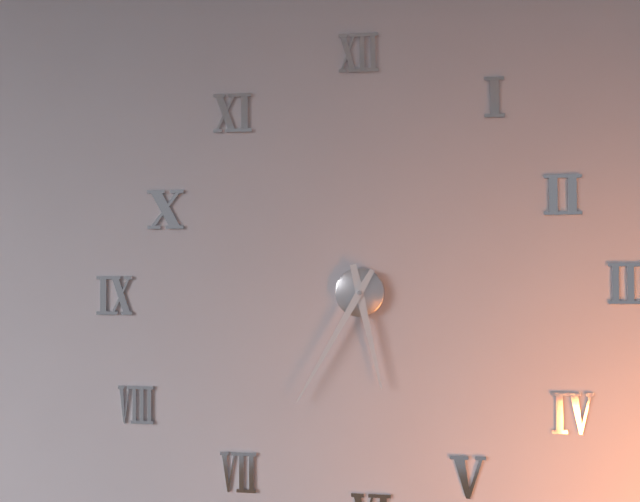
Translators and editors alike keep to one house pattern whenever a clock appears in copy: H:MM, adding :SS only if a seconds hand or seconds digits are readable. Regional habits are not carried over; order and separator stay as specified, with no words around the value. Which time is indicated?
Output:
5:35
